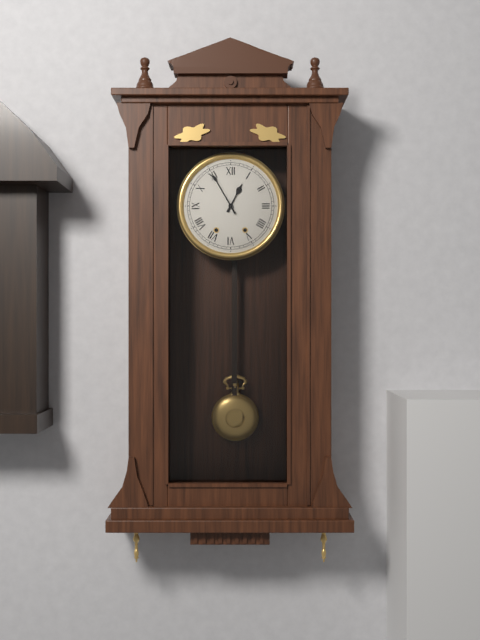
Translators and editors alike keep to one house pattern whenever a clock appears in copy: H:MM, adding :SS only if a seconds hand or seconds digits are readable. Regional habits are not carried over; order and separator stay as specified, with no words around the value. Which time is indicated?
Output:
12:55
